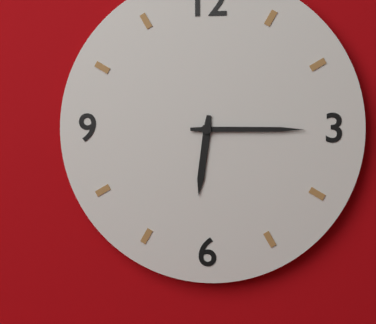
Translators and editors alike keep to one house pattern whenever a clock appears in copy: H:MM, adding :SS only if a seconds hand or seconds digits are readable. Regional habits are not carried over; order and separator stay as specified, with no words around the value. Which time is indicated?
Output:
6:15
